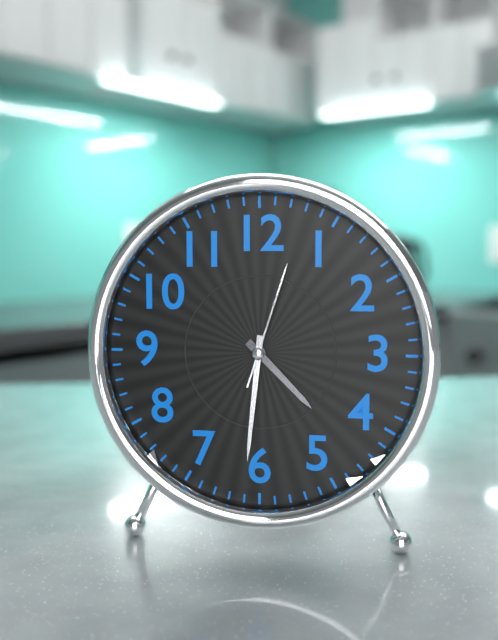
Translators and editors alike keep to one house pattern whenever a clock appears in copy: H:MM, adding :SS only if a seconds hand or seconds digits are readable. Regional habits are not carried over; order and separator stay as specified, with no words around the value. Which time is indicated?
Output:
4:31:03
